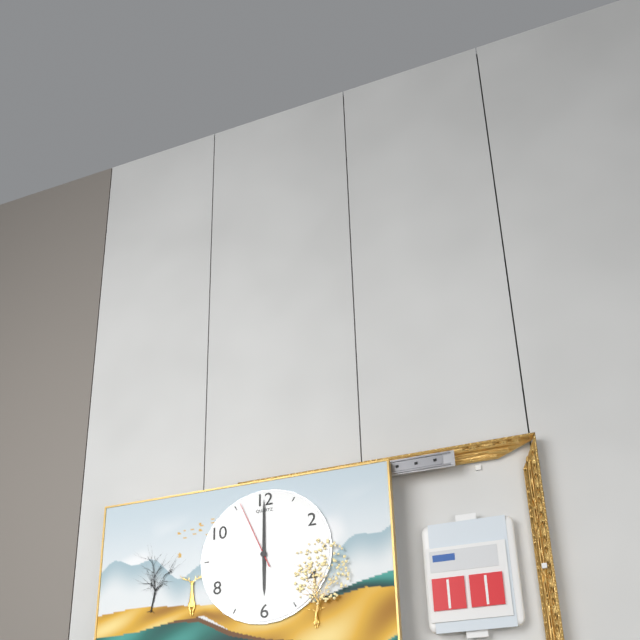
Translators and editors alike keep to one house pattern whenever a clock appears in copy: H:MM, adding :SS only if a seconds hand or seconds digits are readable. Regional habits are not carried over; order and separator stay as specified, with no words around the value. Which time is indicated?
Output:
6:00:56
